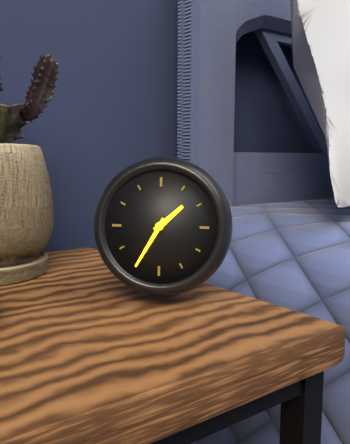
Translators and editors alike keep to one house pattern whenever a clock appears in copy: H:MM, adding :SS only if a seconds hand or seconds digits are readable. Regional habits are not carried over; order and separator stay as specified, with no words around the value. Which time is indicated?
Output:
1:35
